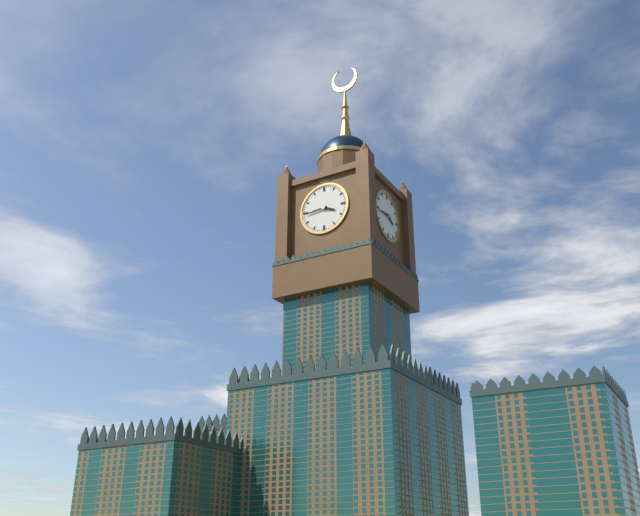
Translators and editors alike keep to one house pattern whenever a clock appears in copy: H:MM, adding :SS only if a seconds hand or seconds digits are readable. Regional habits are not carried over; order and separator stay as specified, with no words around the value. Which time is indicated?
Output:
3:44
